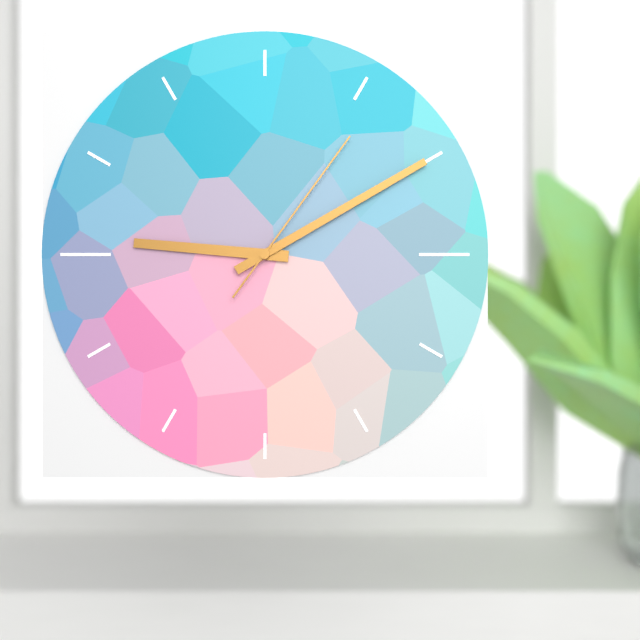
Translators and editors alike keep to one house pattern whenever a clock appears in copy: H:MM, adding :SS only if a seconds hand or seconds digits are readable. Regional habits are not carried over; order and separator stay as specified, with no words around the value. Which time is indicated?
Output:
9:10:06
